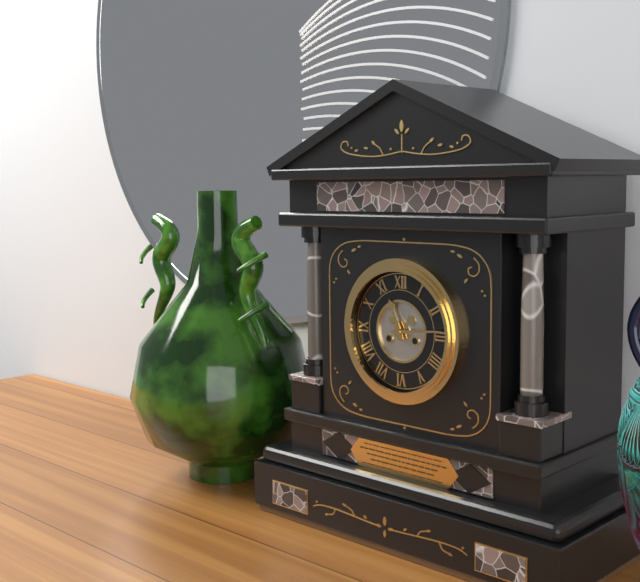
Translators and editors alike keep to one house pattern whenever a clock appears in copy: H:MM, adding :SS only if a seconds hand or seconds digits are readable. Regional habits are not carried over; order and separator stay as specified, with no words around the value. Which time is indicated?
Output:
11:14
